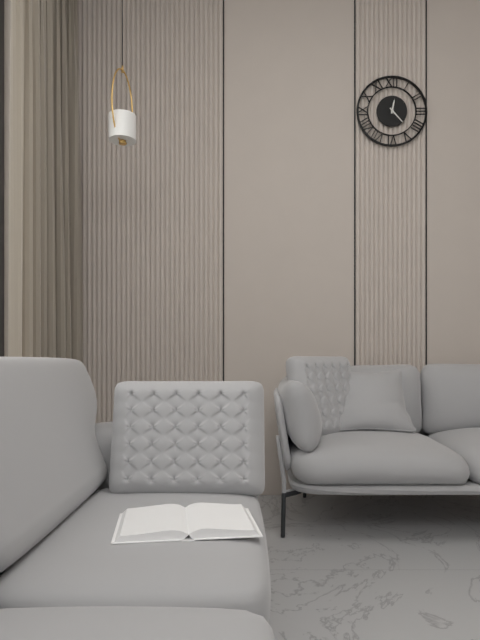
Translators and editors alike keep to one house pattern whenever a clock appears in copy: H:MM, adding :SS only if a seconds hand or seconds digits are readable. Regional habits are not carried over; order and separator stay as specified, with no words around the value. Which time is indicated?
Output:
12:23
